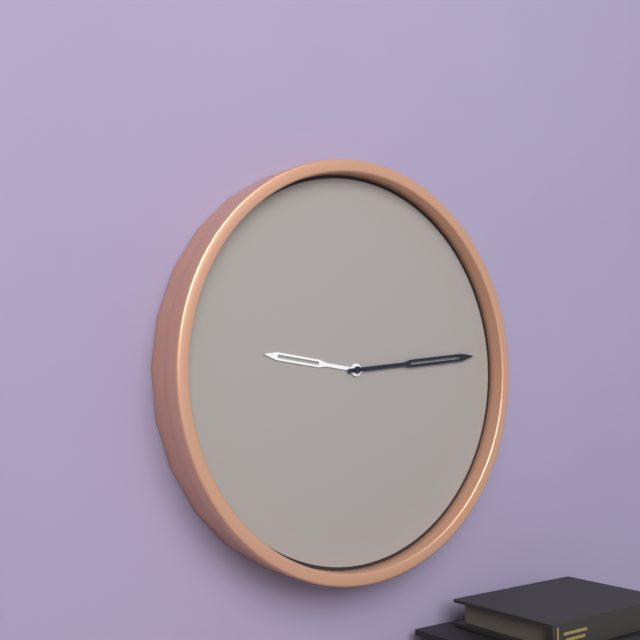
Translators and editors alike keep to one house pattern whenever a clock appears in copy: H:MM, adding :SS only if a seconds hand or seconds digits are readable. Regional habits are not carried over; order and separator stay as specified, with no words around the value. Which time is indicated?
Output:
9:14
